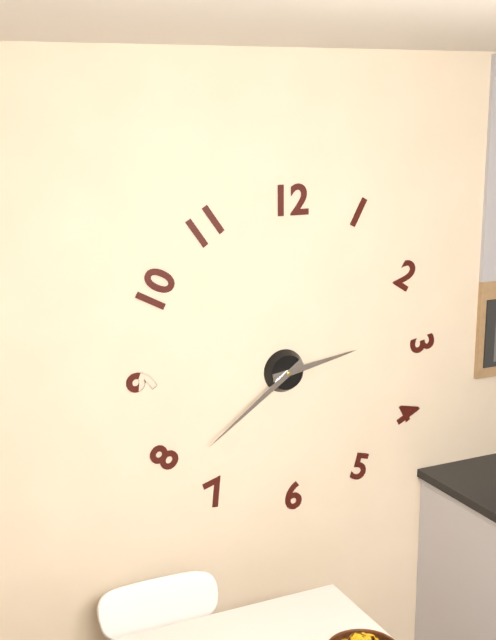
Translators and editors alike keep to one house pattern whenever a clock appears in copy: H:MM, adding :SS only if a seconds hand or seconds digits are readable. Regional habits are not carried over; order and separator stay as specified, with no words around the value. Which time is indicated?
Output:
2:39
